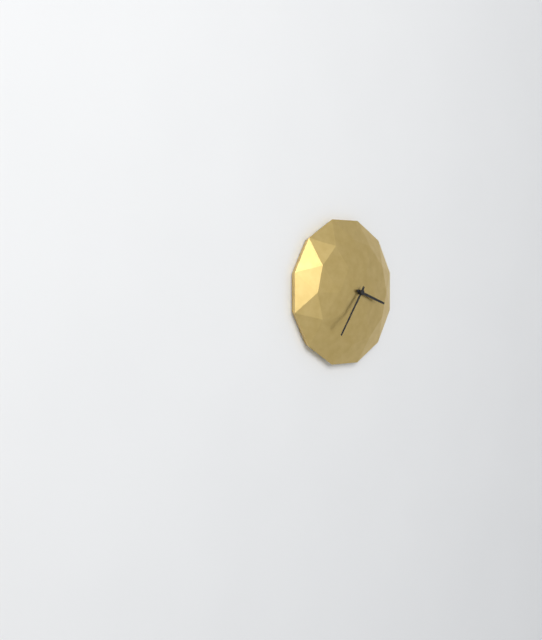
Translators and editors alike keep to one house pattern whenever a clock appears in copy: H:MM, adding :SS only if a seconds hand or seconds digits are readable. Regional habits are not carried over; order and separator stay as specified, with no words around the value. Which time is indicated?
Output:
3:36
